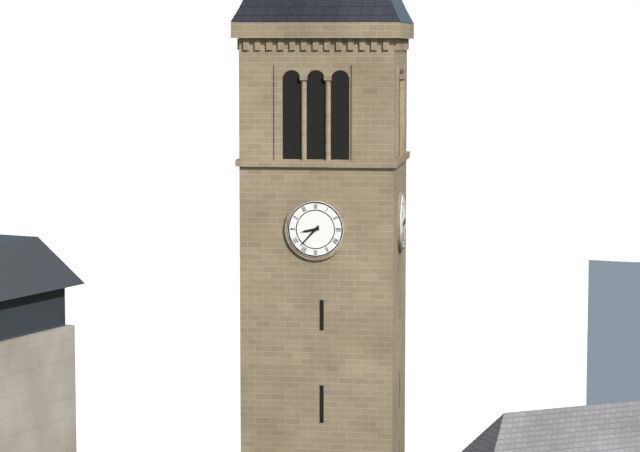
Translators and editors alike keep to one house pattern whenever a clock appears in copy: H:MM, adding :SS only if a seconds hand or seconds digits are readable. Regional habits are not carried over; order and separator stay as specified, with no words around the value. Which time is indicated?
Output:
8:37
